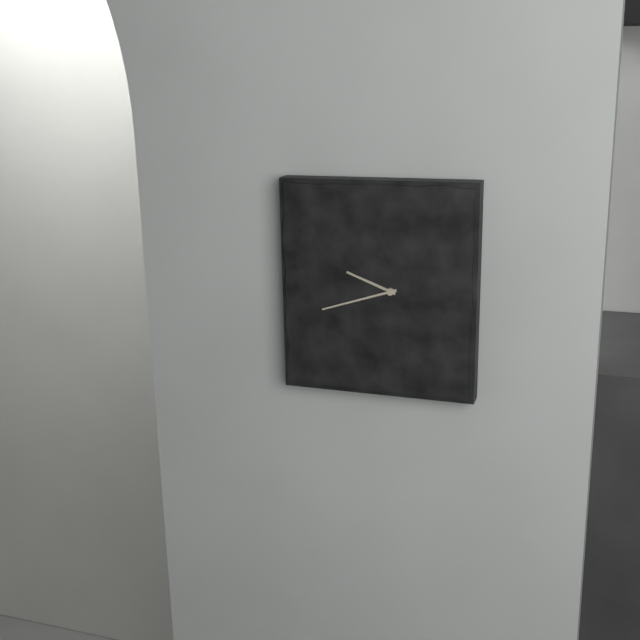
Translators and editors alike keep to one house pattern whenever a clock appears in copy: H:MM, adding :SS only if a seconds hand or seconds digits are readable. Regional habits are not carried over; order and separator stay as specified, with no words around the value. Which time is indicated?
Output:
9:42
